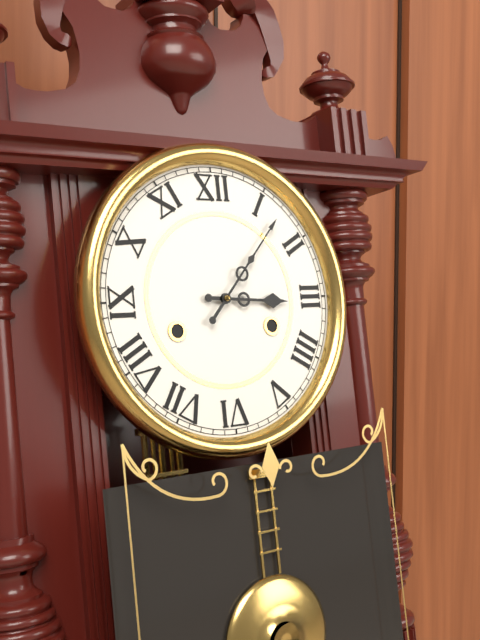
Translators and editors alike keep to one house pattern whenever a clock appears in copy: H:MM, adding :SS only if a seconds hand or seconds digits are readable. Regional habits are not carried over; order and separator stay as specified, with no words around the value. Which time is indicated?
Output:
3:07
